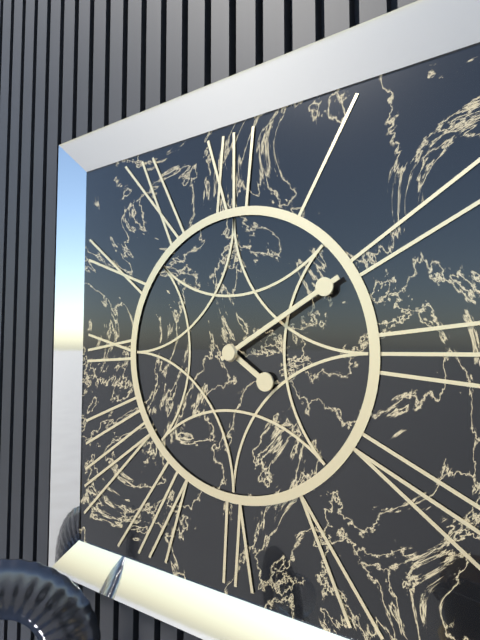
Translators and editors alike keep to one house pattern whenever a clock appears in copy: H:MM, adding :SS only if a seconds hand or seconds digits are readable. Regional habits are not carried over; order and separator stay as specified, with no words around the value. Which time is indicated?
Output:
4:10
